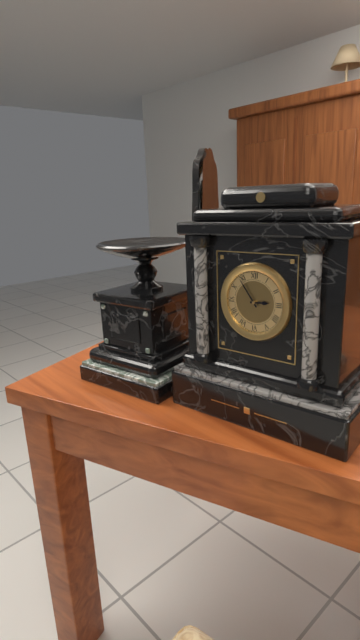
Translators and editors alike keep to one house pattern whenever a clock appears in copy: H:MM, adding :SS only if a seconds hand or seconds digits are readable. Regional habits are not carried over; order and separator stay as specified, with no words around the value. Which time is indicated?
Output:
2:54
